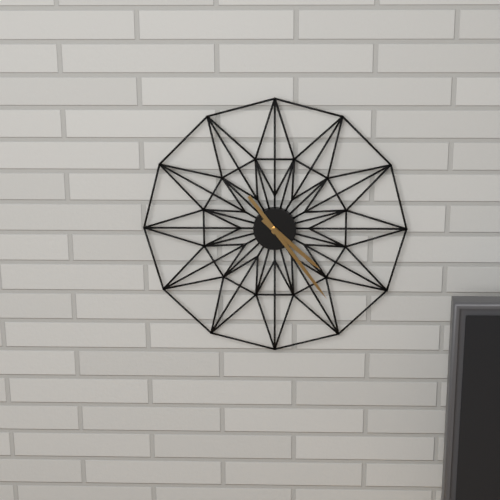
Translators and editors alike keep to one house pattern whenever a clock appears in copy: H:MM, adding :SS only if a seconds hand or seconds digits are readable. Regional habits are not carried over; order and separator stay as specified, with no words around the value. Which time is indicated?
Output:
4:24
